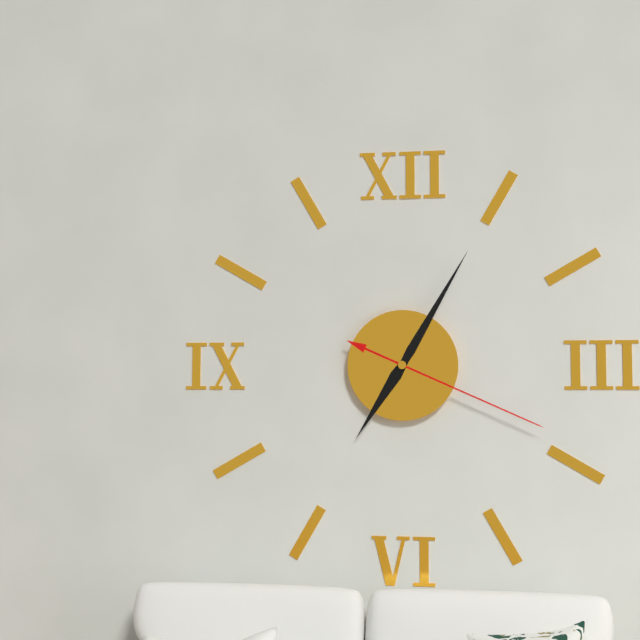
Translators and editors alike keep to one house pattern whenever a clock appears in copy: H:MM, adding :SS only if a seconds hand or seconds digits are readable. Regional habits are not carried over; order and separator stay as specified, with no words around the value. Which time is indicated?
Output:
7:05:19
